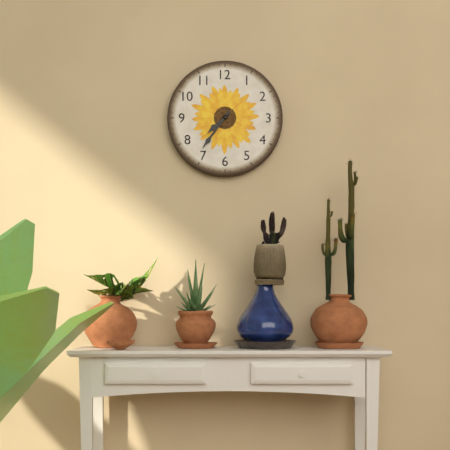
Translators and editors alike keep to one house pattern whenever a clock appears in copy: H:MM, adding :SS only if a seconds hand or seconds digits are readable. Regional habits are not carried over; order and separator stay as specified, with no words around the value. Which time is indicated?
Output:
7:36
